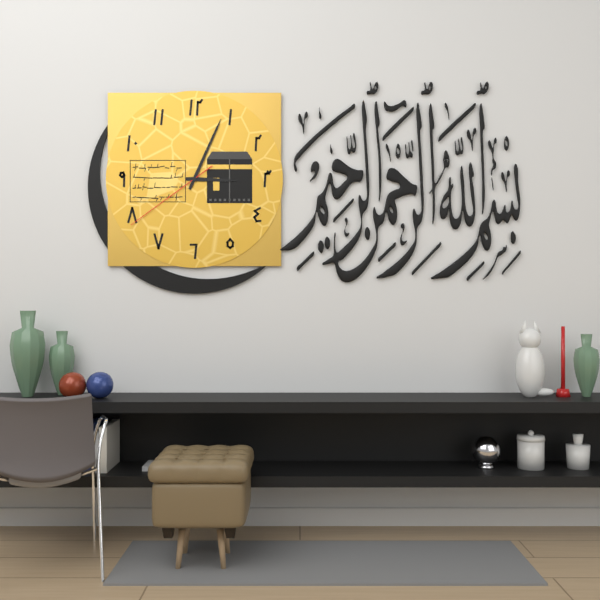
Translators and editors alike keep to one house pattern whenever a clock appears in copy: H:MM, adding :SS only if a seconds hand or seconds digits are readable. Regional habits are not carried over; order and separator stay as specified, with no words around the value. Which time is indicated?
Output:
3:04:39
